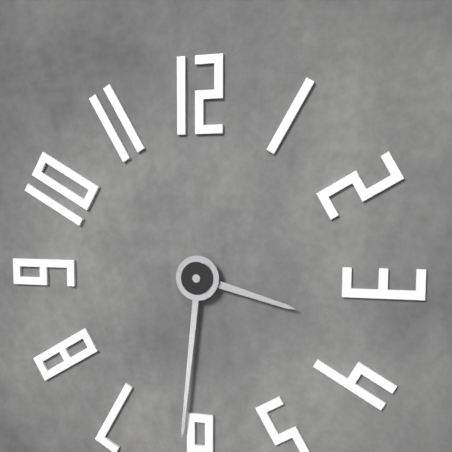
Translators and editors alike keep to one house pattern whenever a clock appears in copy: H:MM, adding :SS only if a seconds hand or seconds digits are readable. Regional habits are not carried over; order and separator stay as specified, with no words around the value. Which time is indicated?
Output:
3:31
